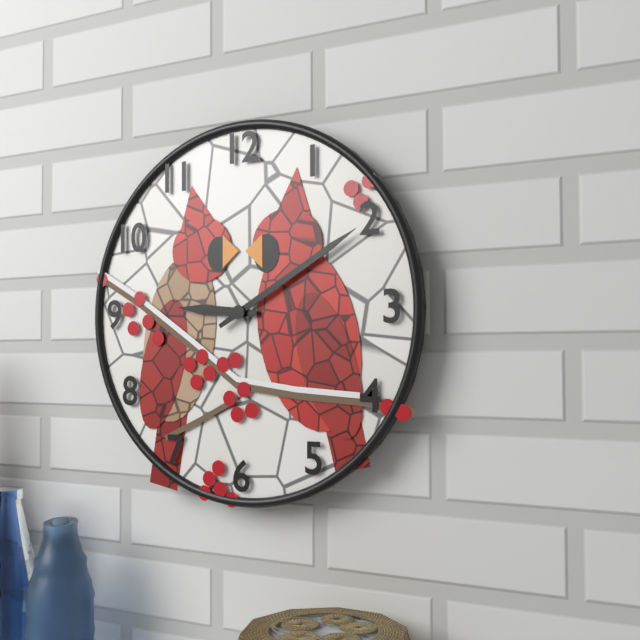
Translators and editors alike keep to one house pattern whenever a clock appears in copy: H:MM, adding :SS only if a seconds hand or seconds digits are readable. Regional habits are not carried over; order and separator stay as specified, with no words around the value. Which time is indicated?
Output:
9:10
